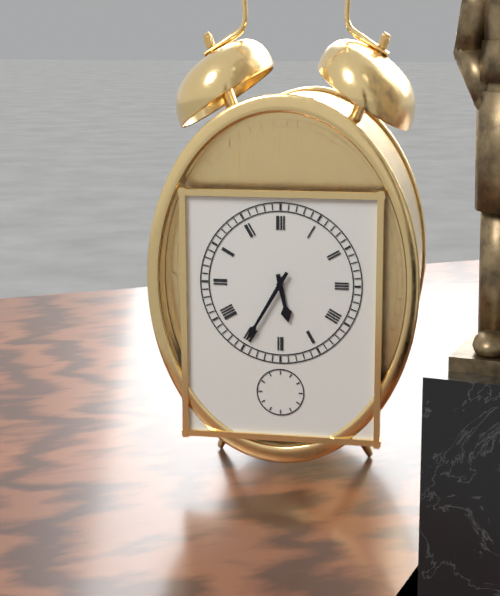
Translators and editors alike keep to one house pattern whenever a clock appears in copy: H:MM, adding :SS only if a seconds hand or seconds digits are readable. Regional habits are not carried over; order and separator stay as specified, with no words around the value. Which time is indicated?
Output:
5:35
